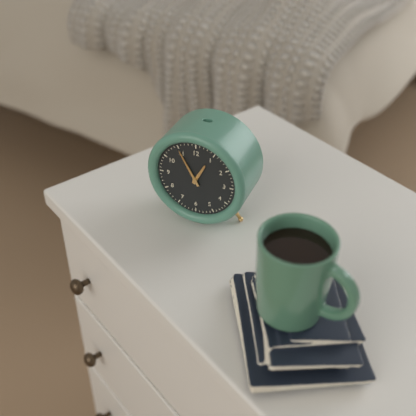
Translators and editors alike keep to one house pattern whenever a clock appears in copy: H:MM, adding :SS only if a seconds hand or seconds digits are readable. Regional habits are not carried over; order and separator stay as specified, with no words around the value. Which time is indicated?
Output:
12:55
